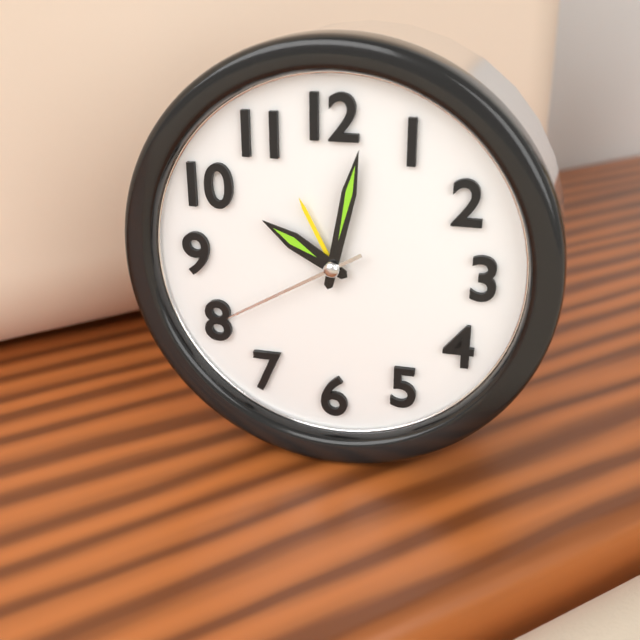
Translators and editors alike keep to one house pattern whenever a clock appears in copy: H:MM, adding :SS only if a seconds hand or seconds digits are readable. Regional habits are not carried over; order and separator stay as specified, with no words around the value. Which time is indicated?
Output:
10:02:40
